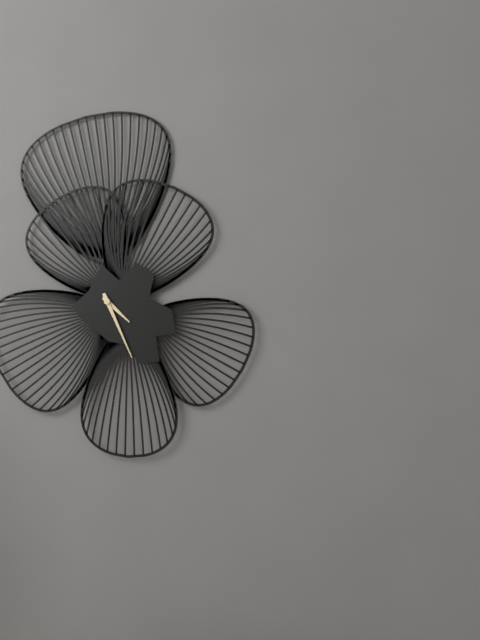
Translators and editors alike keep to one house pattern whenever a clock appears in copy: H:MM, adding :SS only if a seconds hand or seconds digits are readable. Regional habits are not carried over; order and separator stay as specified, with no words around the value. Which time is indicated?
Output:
4:26
